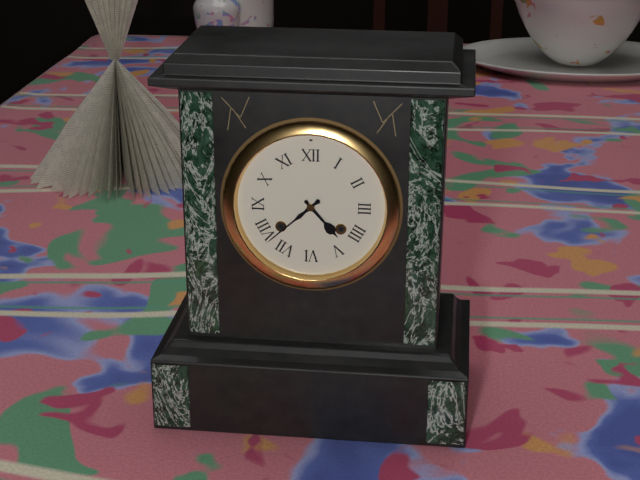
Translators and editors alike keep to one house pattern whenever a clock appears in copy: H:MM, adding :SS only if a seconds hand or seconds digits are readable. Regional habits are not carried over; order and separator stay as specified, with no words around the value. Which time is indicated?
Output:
4:38
